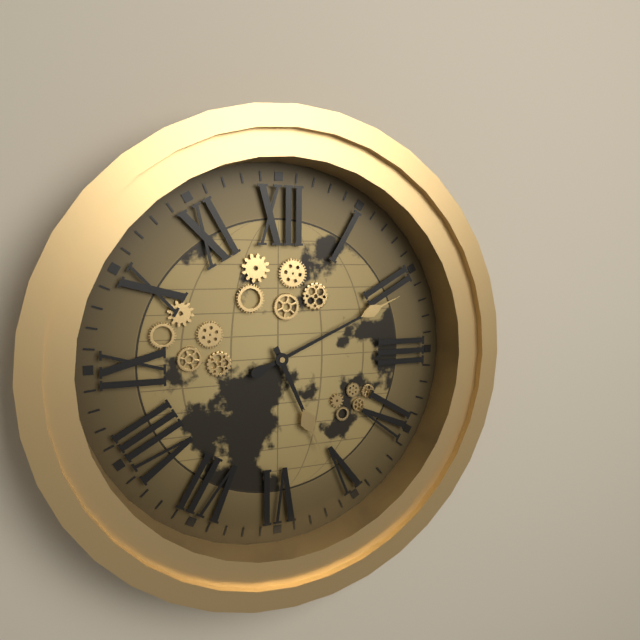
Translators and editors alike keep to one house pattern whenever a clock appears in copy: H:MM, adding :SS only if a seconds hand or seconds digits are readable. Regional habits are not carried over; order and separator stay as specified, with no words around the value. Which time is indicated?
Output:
5:11
